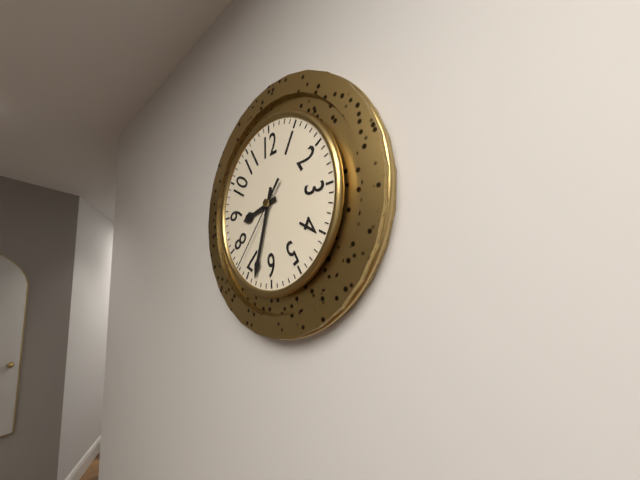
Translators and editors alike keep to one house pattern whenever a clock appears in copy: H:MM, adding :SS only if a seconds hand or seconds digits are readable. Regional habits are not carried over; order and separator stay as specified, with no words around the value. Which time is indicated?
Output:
8:33:37
